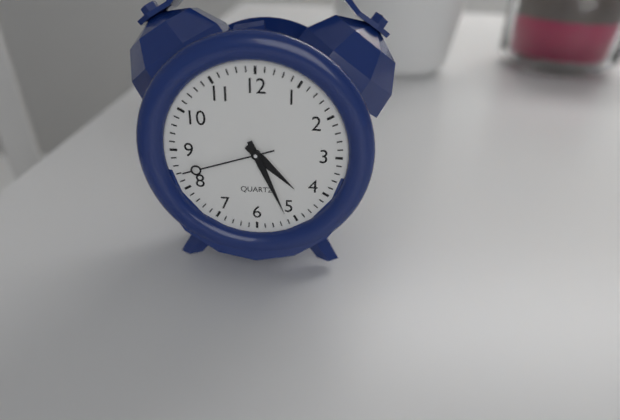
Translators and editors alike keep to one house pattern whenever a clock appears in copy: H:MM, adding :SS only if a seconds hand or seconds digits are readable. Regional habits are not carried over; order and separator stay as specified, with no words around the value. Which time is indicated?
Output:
4:26:42
